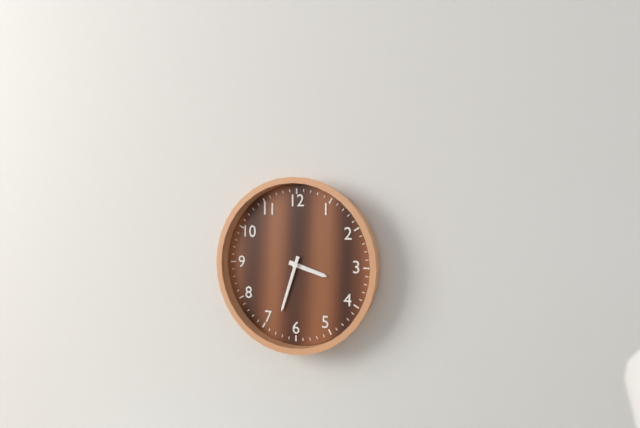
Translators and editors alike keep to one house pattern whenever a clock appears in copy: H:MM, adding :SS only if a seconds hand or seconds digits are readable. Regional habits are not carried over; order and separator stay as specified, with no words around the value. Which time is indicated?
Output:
3:33
